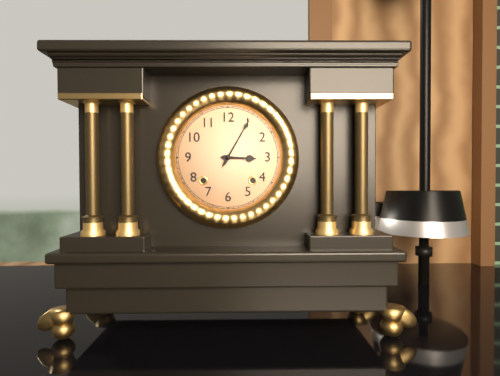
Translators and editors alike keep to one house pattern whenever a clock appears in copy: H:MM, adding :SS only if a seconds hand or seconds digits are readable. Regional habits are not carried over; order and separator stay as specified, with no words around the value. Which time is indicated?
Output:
3:05
